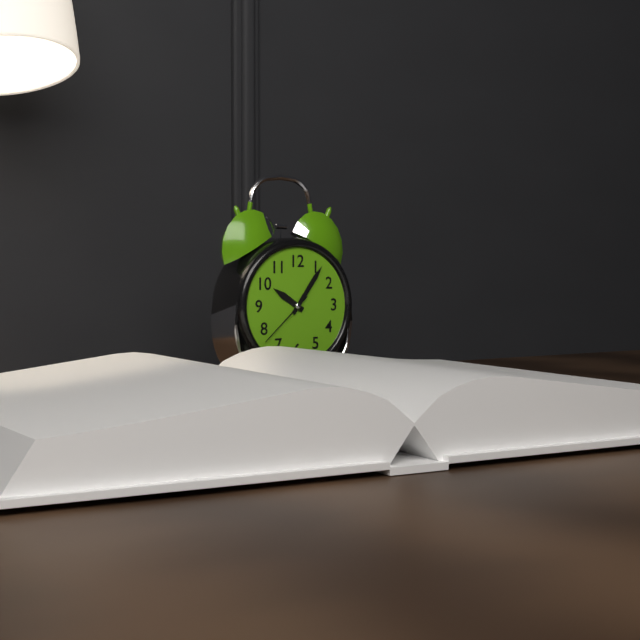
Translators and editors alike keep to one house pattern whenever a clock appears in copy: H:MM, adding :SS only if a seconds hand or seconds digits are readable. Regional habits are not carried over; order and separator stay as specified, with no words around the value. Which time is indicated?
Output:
10:06:38
